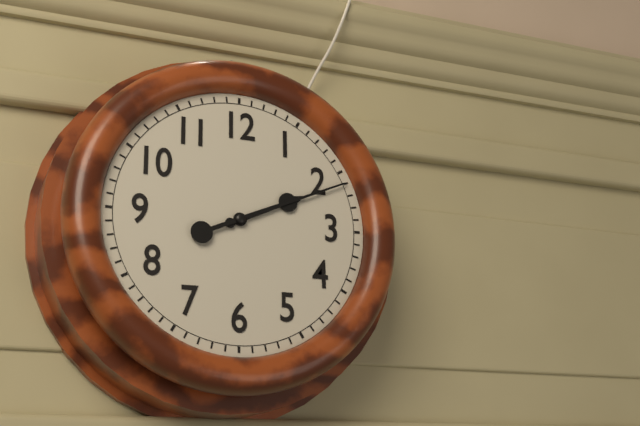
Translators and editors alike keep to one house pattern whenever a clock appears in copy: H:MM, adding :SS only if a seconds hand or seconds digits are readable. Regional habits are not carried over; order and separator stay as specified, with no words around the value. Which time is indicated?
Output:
2:11
